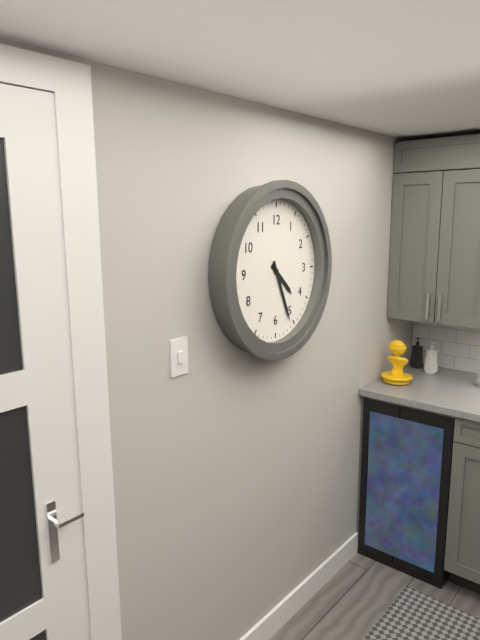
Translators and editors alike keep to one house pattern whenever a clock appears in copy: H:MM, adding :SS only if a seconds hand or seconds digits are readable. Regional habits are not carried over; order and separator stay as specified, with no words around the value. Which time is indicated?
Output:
4:26
